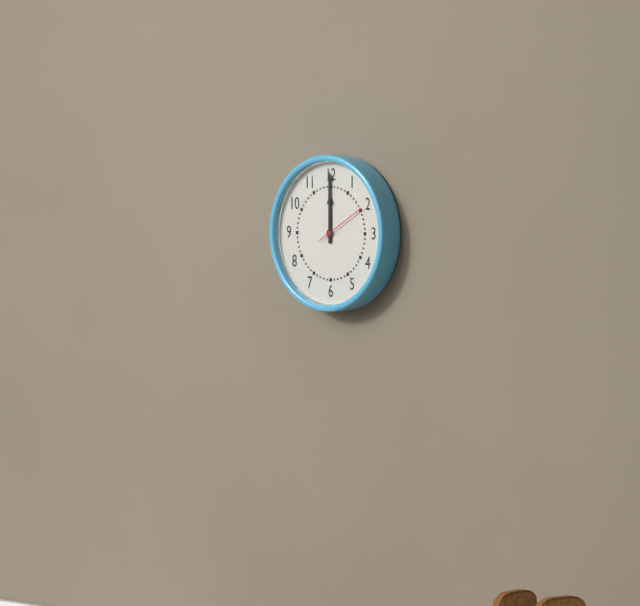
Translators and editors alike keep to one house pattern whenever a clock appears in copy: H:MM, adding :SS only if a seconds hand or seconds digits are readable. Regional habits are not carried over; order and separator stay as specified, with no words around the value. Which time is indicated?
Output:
12:00
